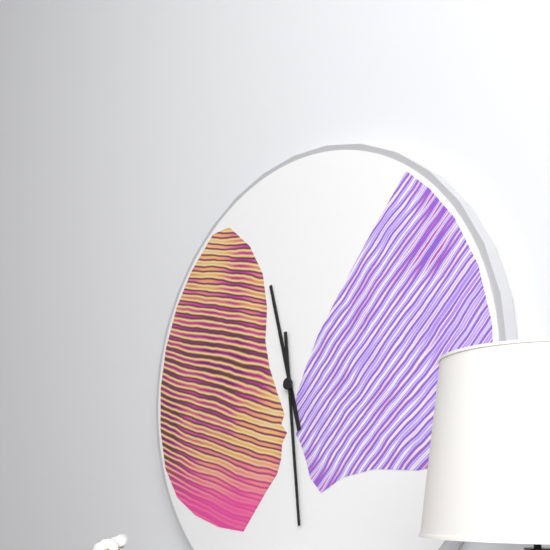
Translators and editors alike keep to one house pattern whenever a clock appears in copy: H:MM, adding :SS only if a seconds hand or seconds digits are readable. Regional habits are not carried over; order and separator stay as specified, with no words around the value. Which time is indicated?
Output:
11:29
